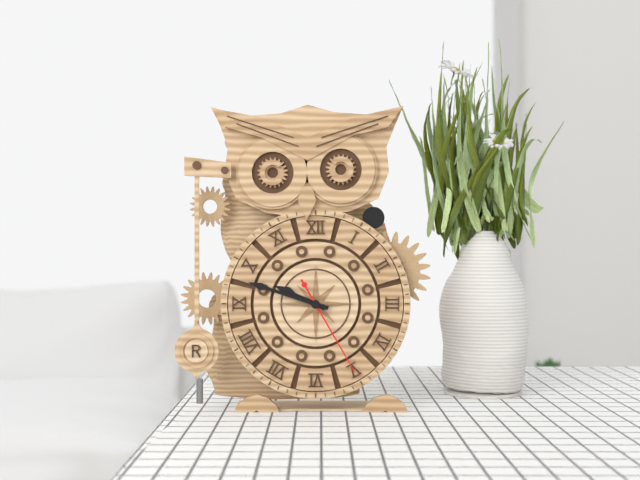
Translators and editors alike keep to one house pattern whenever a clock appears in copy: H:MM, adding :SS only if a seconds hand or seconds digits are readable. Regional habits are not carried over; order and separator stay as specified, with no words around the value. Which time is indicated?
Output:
9:48:25
